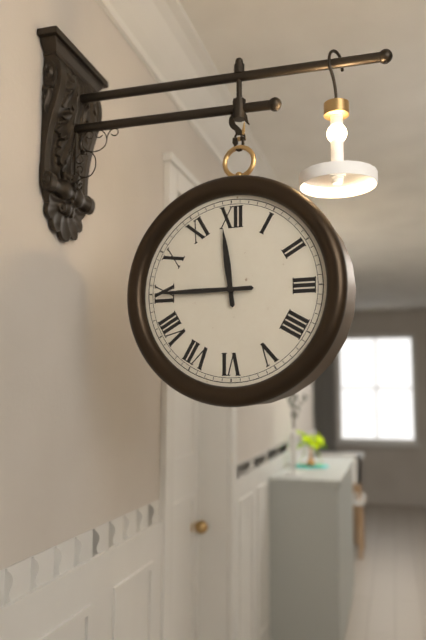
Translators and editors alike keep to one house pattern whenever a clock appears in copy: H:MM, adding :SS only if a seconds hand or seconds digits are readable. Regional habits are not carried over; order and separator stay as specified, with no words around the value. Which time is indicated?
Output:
11:45
